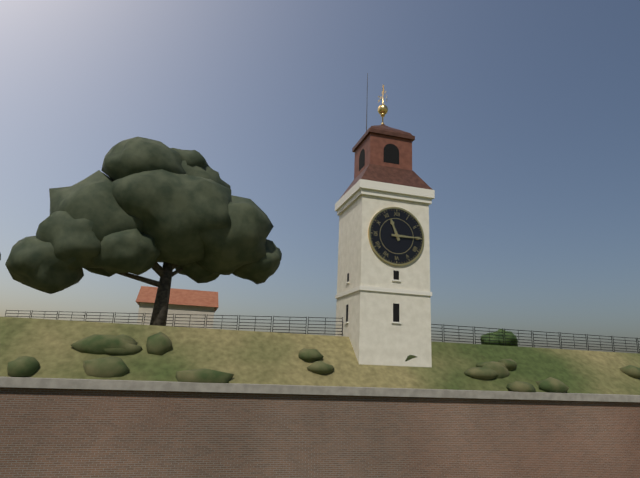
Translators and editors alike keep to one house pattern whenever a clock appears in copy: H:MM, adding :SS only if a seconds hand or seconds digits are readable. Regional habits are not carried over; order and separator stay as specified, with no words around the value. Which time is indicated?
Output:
11:15
